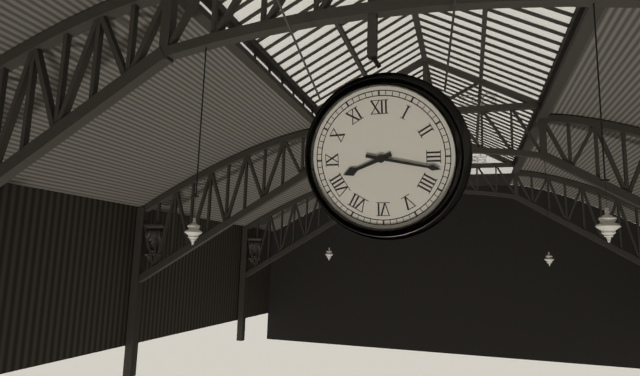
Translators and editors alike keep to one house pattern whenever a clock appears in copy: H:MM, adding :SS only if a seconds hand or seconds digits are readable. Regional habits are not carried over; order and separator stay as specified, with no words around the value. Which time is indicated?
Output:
8:17
